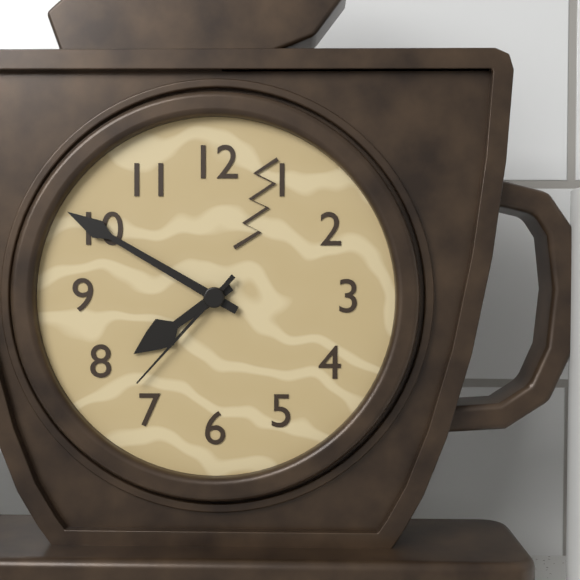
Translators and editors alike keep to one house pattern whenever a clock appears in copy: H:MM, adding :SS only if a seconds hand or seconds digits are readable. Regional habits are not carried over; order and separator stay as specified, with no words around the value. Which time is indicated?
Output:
7:50:37
